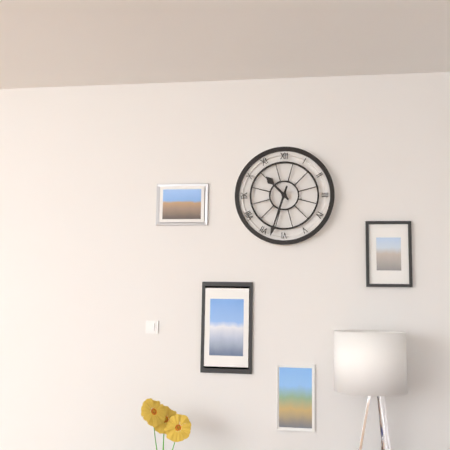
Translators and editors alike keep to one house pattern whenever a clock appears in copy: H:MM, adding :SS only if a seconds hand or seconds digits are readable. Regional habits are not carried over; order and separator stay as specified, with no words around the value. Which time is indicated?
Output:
10:33
